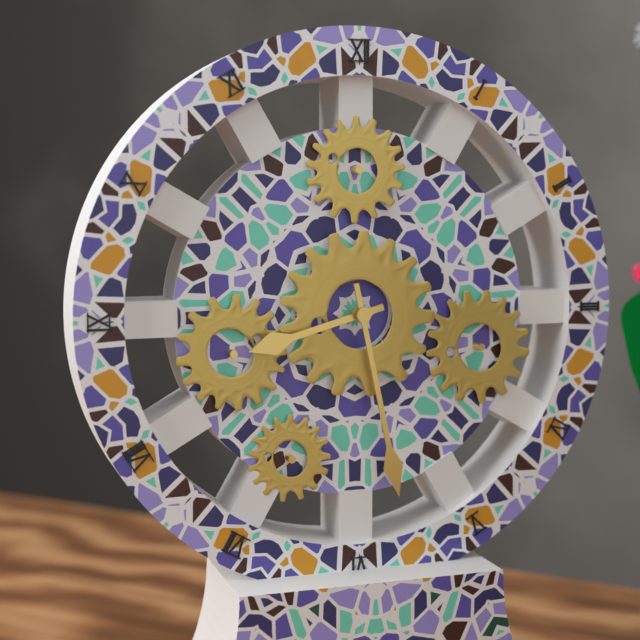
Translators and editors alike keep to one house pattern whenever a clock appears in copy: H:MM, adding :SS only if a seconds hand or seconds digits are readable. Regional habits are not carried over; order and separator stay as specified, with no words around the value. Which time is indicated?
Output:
8:28
